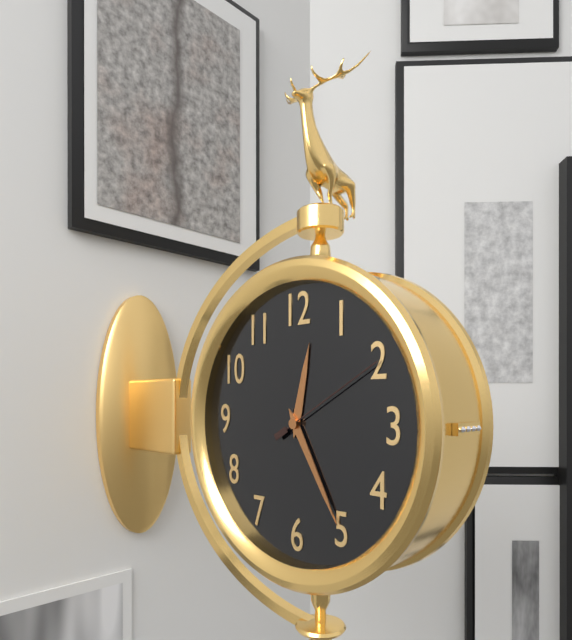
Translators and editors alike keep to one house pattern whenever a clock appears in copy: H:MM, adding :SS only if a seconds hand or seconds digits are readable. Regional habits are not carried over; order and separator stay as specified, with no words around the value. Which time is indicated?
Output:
12:25:10
